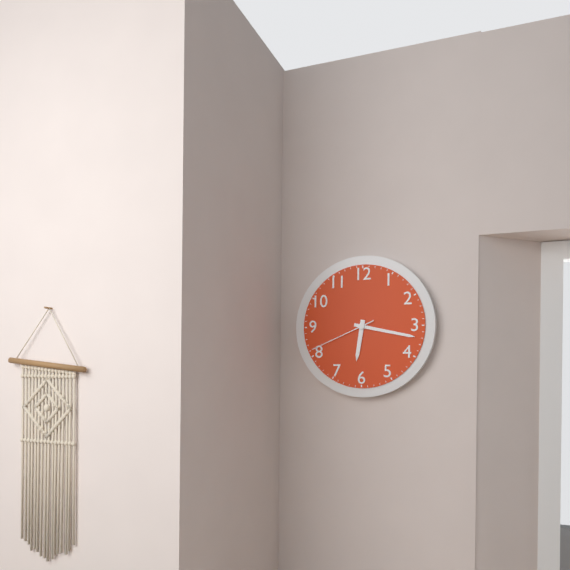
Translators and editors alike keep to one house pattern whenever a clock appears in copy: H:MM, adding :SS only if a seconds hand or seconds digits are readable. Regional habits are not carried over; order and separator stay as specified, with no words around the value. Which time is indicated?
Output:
6:17:41
